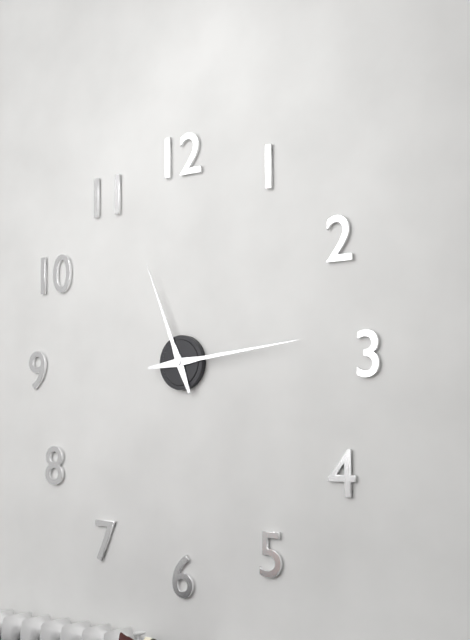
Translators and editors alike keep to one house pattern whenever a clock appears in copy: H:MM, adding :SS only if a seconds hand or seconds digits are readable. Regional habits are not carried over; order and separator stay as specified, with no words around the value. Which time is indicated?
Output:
11:14
